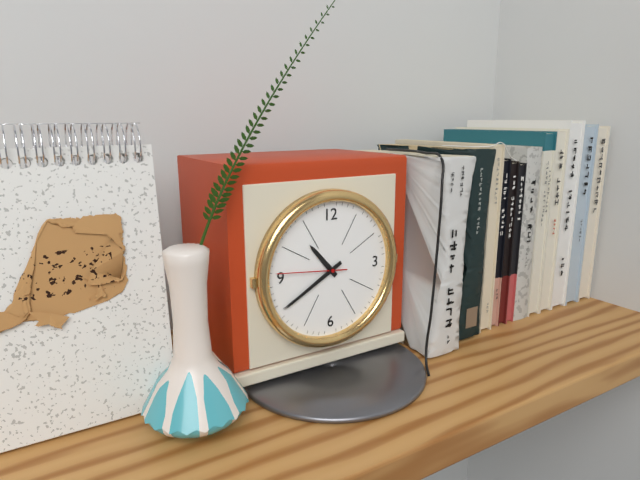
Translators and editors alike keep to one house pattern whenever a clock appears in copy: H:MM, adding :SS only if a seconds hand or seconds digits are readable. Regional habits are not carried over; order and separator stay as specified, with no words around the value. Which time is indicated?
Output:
10:40:46
